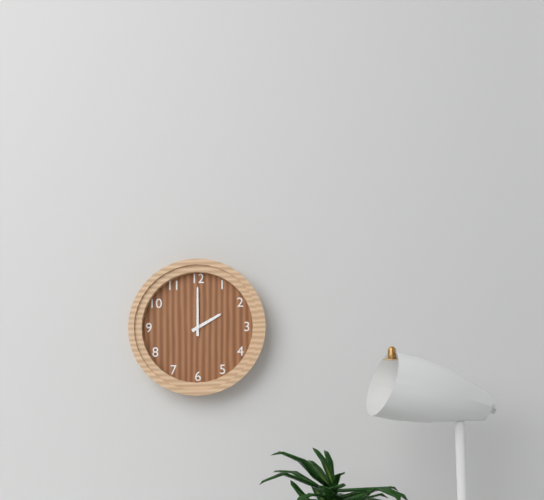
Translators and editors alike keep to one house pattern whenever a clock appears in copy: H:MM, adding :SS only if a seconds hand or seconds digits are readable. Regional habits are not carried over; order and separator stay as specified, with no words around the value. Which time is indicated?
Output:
2:00
